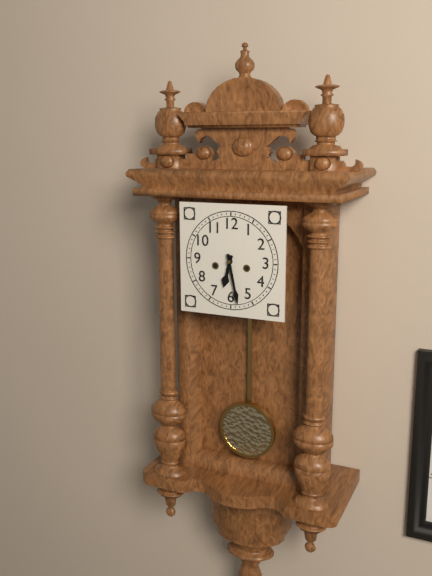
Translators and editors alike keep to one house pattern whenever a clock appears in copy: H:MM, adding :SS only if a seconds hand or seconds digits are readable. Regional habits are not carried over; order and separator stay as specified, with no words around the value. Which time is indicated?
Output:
6:28
